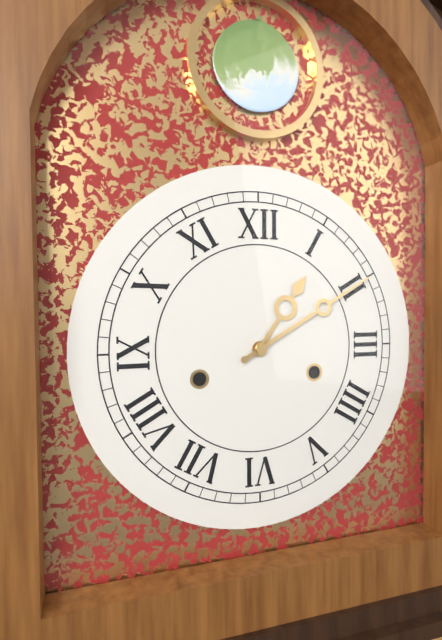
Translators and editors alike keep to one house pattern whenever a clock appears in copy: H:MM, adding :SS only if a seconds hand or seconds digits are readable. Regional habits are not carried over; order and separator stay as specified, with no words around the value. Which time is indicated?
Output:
1:10
